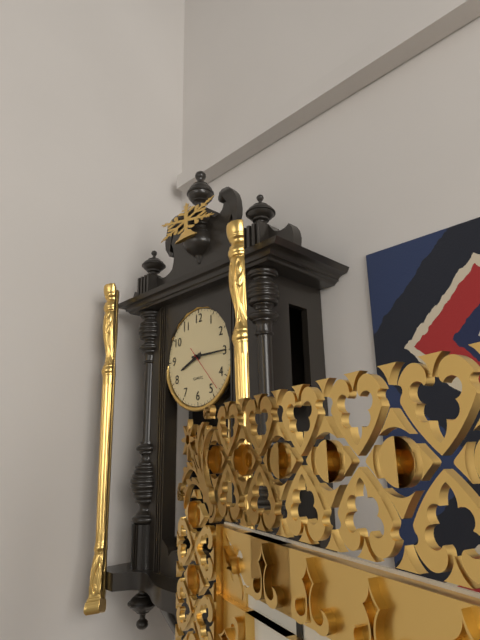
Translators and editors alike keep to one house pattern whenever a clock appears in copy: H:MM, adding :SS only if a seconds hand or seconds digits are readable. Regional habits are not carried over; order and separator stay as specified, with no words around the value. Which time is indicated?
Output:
8:15
